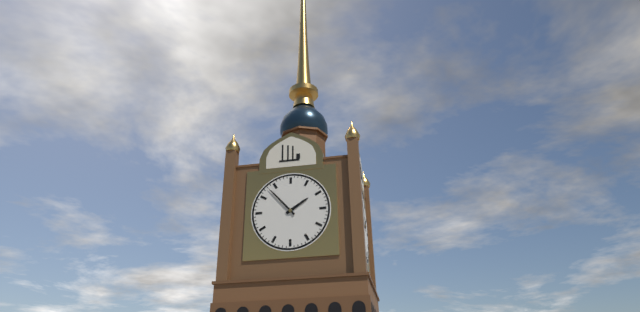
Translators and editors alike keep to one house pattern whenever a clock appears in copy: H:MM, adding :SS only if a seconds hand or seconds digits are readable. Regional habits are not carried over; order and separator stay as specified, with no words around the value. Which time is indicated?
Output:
1:53
